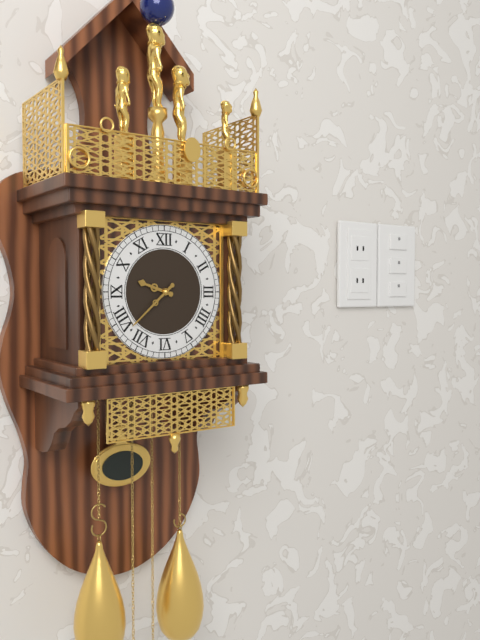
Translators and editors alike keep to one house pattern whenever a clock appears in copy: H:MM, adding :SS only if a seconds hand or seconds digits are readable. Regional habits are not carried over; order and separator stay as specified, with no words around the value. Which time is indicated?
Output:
9:38
